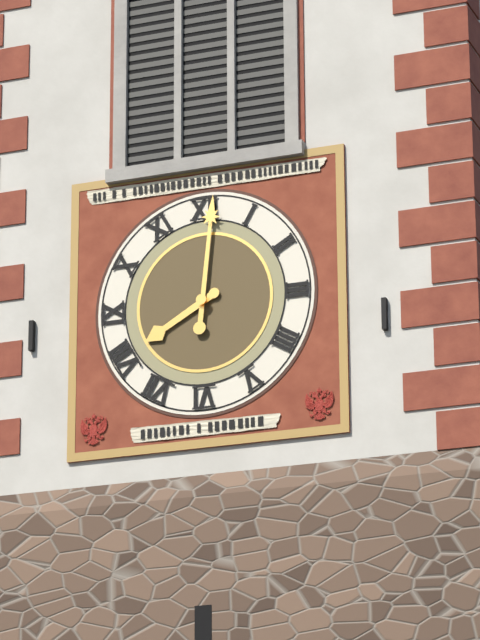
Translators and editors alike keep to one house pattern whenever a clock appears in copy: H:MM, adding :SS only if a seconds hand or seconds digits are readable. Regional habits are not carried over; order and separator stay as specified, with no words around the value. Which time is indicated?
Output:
8:01
